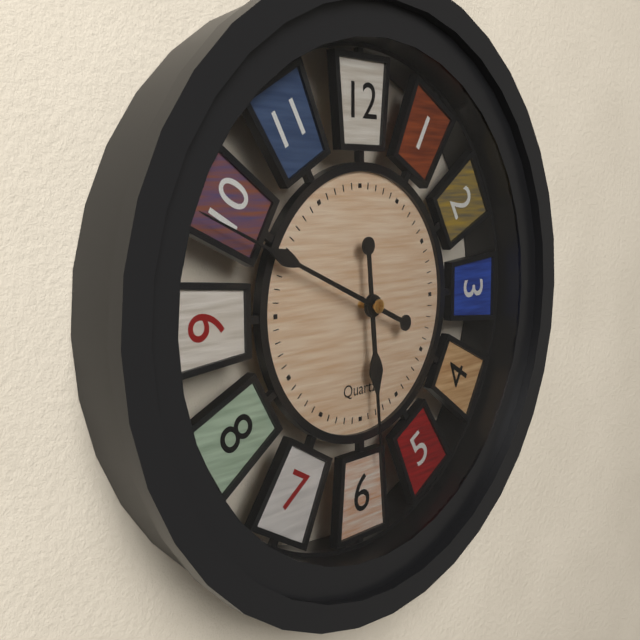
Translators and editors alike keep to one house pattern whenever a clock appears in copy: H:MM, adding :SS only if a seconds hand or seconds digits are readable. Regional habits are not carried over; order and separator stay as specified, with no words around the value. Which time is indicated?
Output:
5:49
